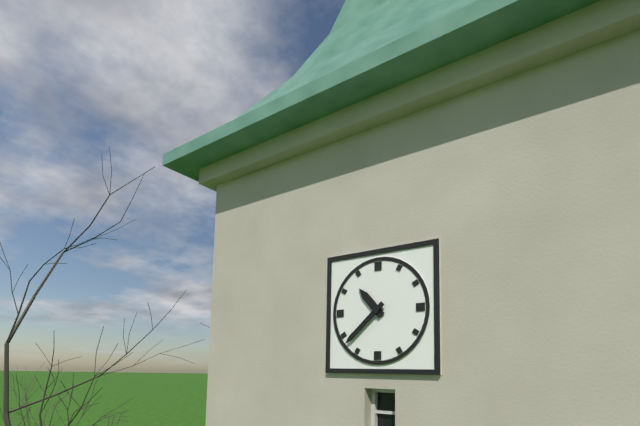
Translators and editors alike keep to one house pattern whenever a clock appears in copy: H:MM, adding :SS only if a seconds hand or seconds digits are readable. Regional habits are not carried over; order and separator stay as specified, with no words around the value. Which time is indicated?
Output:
10:38
